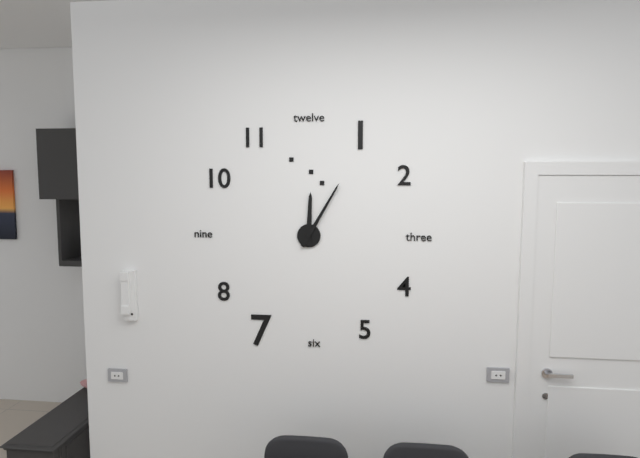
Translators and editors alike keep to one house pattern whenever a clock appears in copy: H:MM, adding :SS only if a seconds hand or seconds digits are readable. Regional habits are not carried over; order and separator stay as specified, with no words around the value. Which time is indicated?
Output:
12:05
